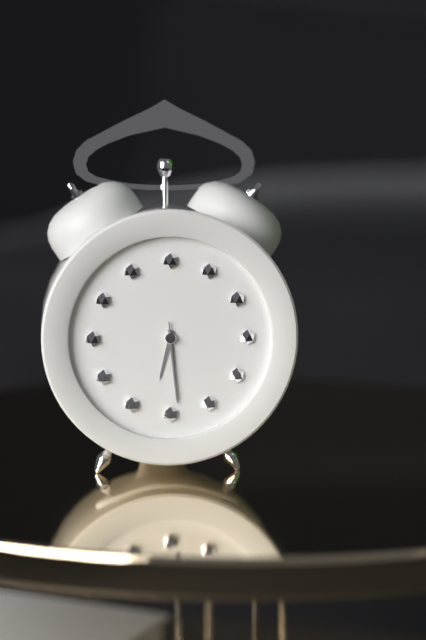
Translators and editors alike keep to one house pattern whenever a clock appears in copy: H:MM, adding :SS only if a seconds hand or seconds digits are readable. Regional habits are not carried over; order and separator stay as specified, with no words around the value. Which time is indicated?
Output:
6:29:29
